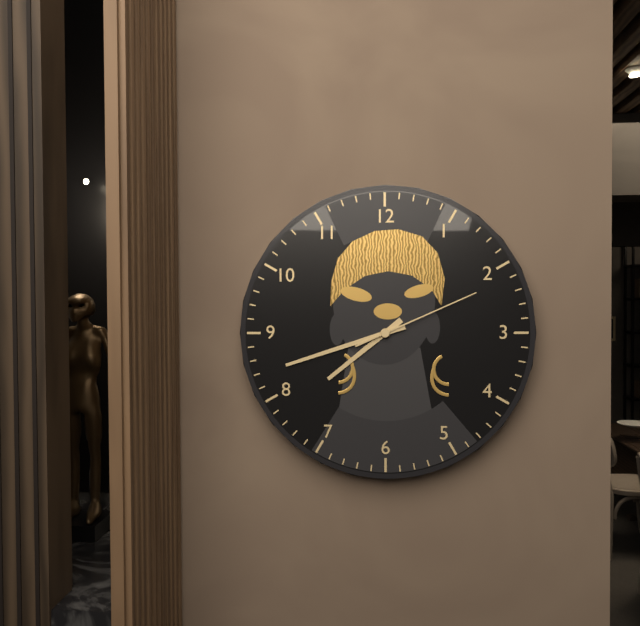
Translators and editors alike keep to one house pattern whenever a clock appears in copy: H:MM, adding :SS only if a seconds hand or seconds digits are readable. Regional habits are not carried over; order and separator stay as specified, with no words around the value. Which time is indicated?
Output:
7:42:11
